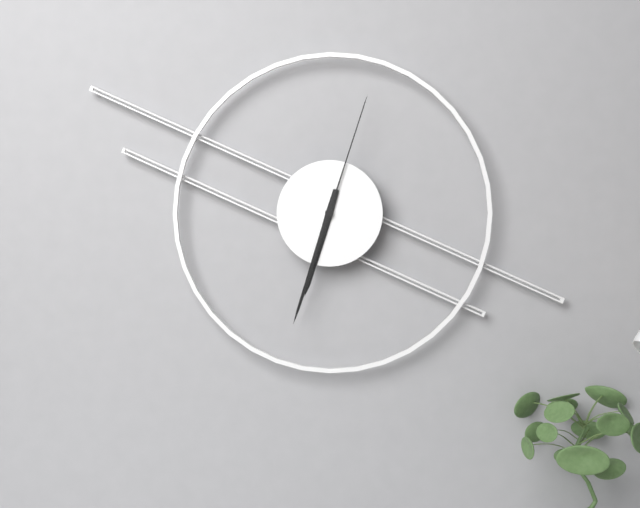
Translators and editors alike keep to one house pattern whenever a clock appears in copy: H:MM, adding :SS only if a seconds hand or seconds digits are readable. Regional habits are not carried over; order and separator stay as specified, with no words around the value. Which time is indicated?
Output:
6:33:03
